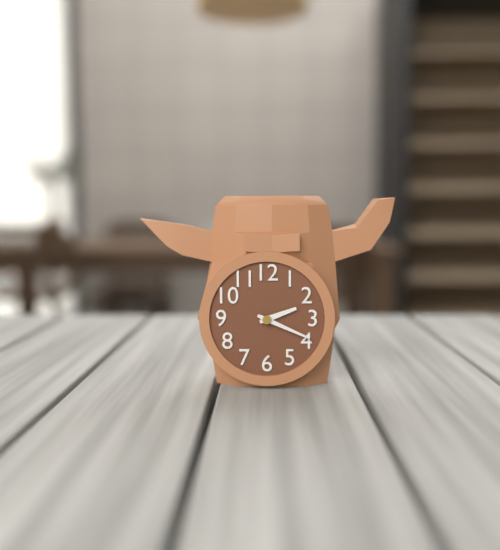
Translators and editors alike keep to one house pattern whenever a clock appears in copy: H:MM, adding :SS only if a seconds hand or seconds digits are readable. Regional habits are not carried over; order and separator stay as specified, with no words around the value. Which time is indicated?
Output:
2:19
